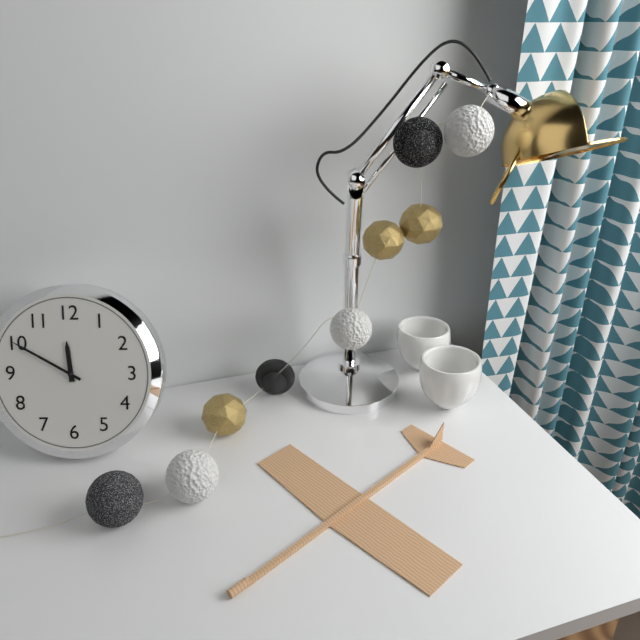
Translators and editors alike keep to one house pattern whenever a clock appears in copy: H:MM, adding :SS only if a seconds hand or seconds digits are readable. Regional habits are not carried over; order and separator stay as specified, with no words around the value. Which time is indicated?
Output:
11:50
